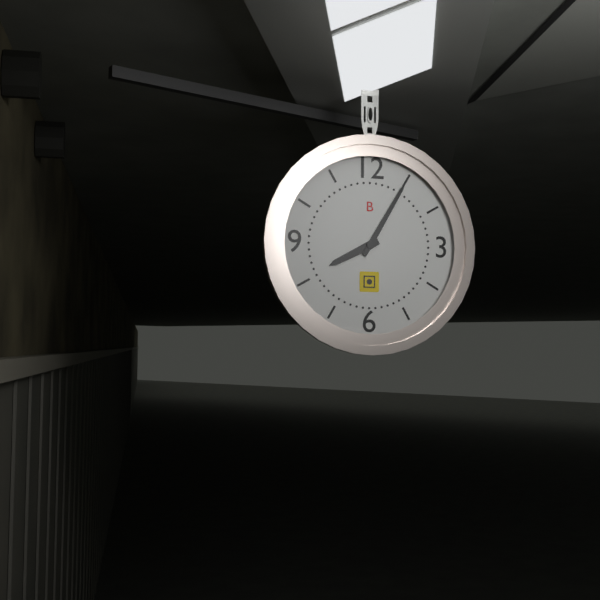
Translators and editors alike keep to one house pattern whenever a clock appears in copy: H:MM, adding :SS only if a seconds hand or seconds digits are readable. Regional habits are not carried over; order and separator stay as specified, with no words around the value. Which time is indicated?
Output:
8:05
